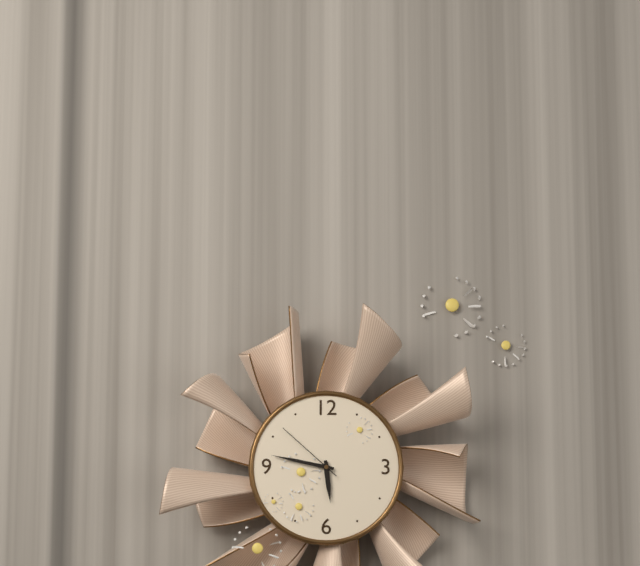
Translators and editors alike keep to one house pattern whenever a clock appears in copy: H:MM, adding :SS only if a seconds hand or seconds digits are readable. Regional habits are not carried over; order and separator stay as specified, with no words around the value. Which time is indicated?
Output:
5:47:52
